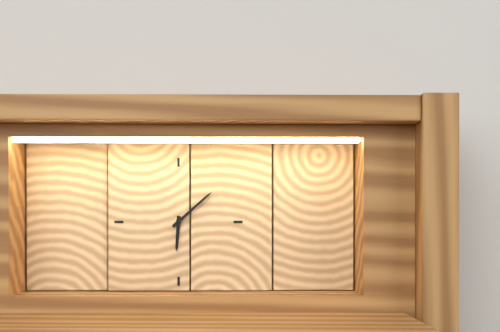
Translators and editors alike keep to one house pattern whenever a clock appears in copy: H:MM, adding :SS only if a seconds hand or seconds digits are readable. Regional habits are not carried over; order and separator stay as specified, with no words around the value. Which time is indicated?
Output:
6:08
